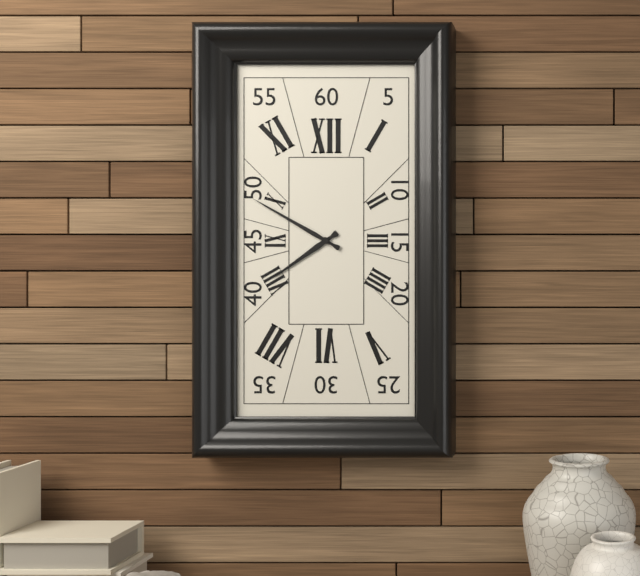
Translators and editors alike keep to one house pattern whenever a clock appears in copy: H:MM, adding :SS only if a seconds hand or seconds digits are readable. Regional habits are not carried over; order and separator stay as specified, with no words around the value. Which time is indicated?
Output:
7:50
